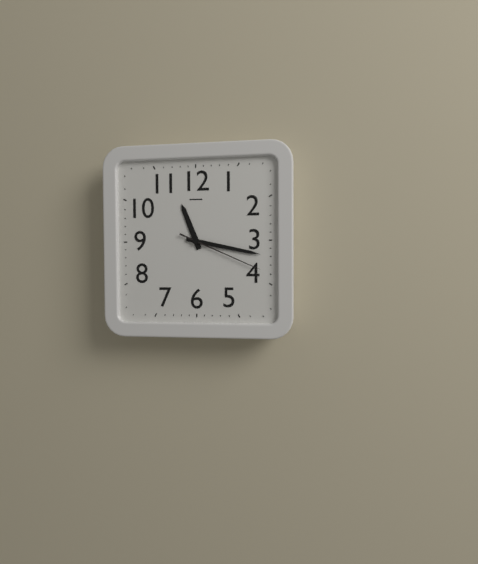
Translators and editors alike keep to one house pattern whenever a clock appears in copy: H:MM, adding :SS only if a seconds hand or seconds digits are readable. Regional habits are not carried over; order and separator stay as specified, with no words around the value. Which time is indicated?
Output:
11:17:19
